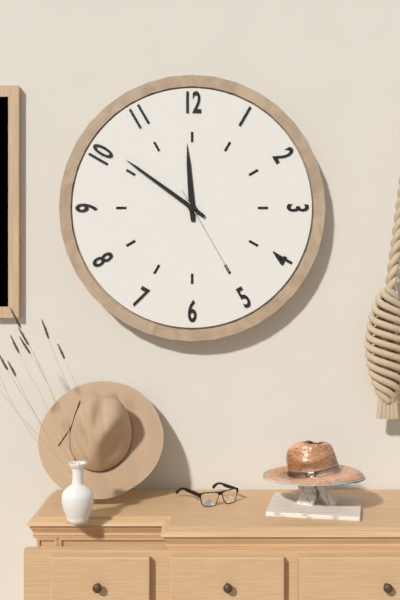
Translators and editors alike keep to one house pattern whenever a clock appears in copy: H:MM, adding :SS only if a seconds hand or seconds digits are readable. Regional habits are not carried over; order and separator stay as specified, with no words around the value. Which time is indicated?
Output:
11:51:25
